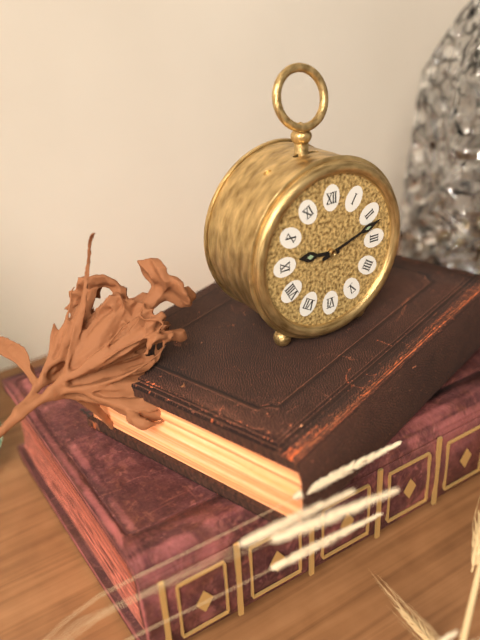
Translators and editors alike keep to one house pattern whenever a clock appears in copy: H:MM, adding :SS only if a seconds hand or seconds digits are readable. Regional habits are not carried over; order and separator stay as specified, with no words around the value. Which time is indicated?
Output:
9:12
